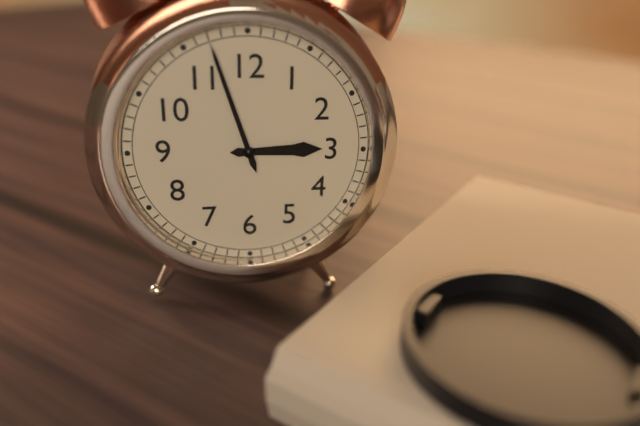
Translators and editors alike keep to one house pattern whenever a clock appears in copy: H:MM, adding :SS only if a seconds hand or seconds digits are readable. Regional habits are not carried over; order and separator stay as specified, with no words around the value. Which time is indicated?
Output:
2:57
